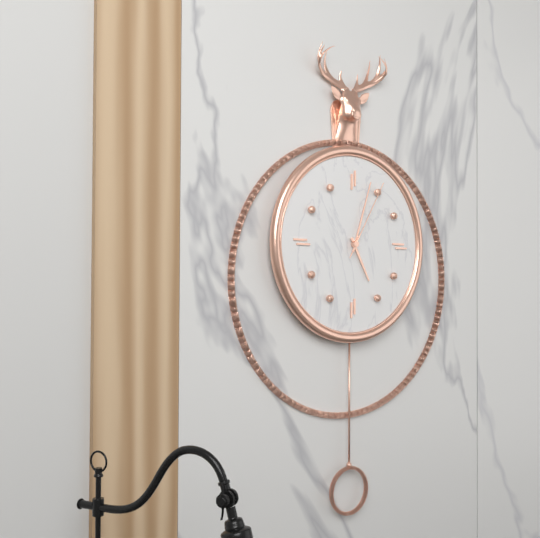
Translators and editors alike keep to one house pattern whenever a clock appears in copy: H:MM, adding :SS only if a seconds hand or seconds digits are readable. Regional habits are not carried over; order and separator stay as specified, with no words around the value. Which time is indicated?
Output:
5:03:05
